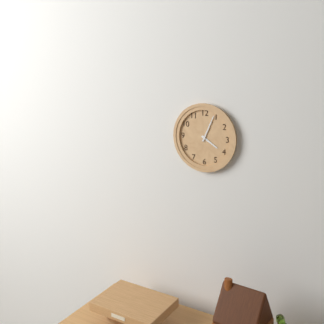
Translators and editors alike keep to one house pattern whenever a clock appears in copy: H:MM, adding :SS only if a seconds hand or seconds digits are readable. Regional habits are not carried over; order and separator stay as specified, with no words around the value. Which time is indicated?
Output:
4:04
